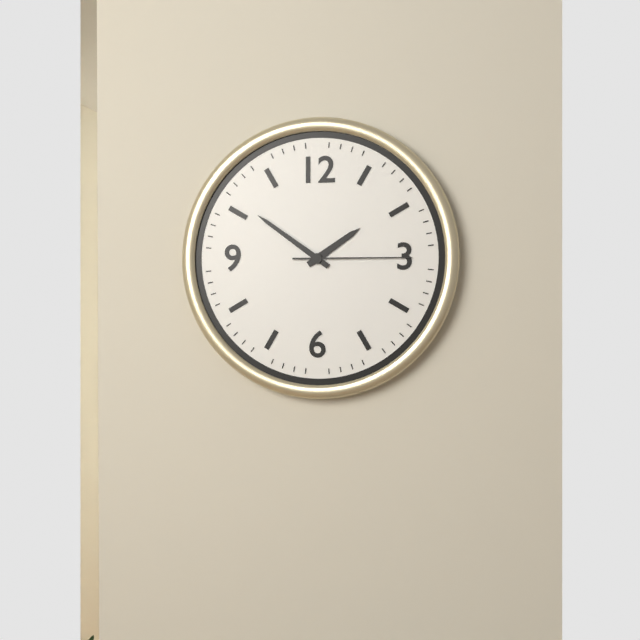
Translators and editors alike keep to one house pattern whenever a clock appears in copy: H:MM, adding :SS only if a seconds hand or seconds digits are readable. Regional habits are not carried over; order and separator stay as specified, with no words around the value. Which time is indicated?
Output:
1:51:15
